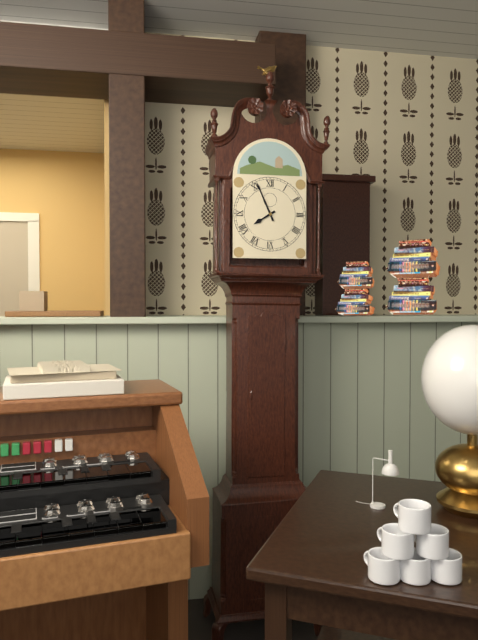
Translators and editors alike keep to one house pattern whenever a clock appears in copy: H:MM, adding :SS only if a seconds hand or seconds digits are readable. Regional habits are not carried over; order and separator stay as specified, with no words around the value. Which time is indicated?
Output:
7:56
